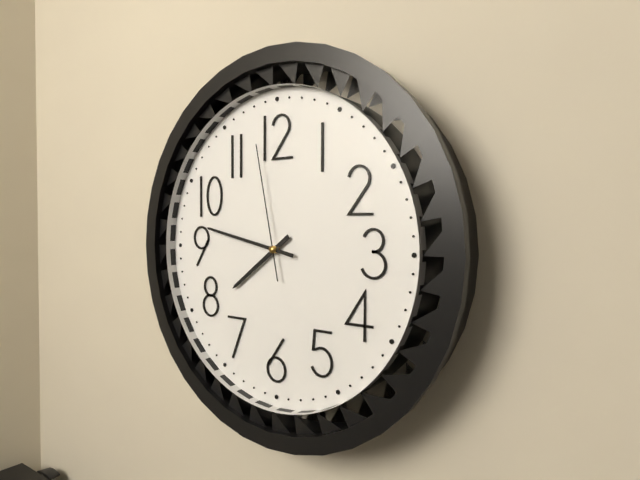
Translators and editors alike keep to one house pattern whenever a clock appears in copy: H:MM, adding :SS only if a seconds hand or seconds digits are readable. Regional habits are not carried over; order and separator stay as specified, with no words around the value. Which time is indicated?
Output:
7:47:58
